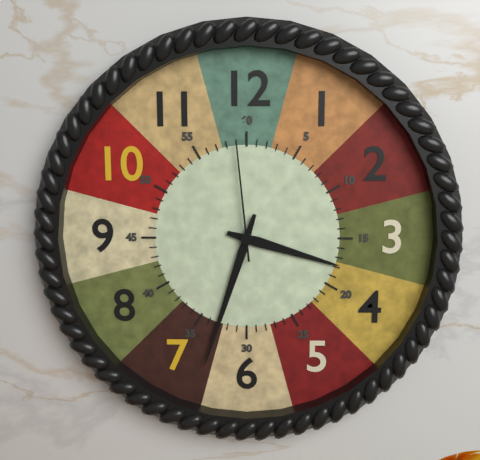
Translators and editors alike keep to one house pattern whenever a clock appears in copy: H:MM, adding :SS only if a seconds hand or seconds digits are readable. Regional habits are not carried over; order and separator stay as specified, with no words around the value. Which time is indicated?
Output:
3:33:59
